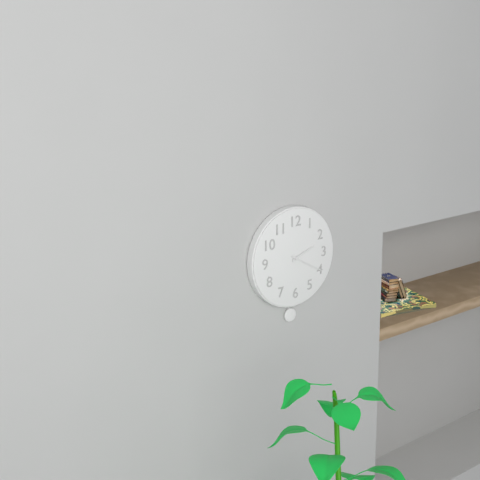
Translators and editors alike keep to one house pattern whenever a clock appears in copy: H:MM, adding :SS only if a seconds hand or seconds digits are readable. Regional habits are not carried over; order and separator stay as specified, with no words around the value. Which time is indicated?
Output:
2:20
